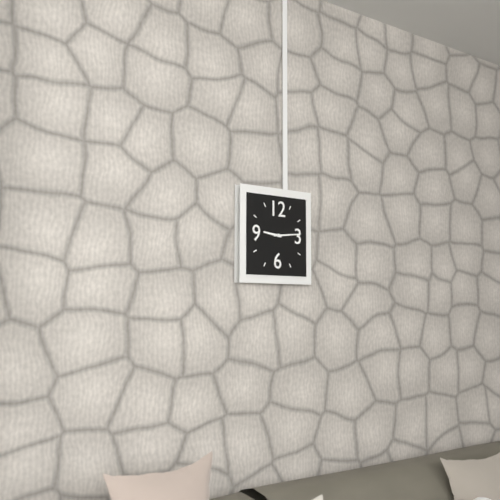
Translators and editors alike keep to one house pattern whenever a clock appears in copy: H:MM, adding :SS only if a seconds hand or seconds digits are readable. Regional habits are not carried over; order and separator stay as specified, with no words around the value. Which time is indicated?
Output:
9:14
